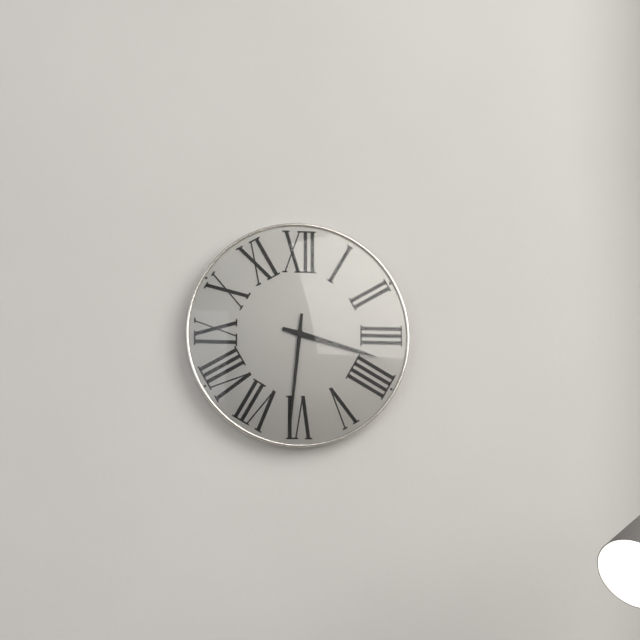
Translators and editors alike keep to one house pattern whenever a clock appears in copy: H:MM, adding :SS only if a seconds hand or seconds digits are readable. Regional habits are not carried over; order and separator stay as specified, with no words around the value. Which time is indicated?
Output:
3:31
